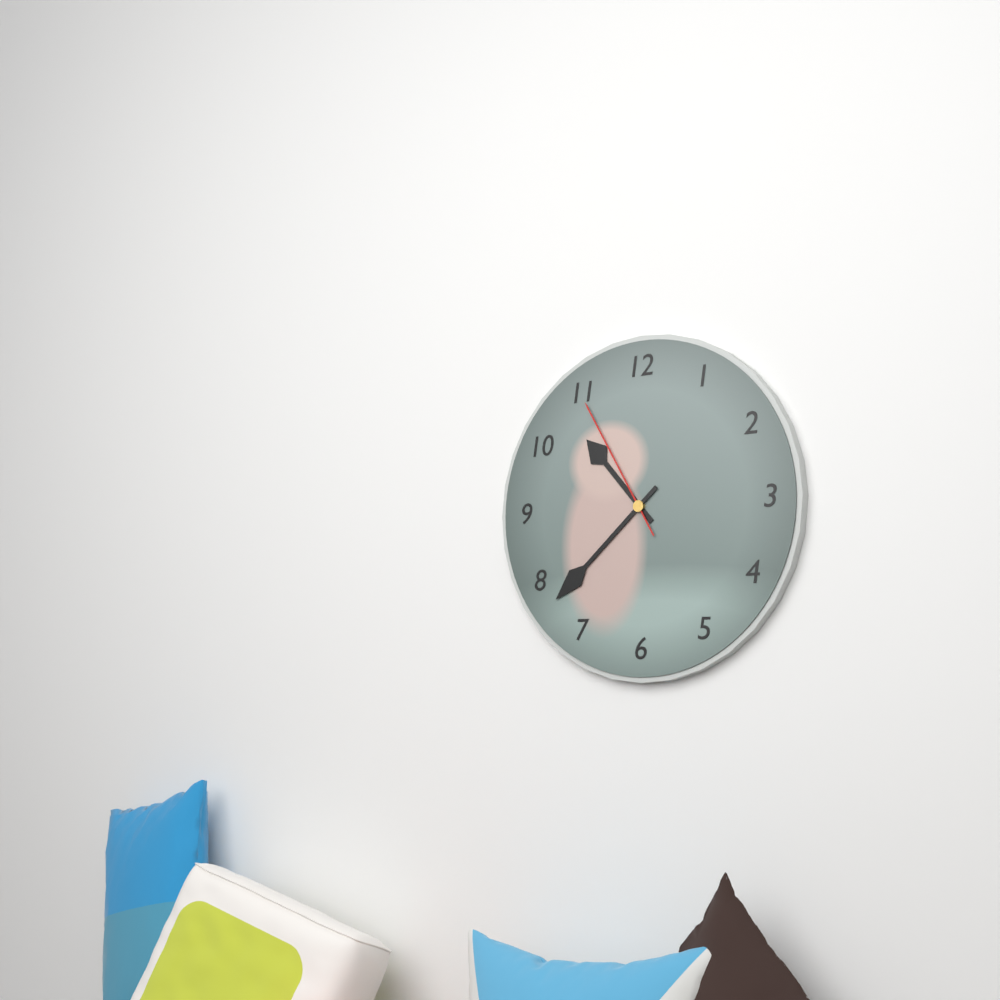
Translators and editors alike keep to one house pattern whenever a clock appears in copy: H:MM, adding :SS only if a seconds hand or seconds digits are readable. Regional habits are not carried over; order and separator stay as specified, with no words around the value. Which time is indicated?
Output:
10:38:55
